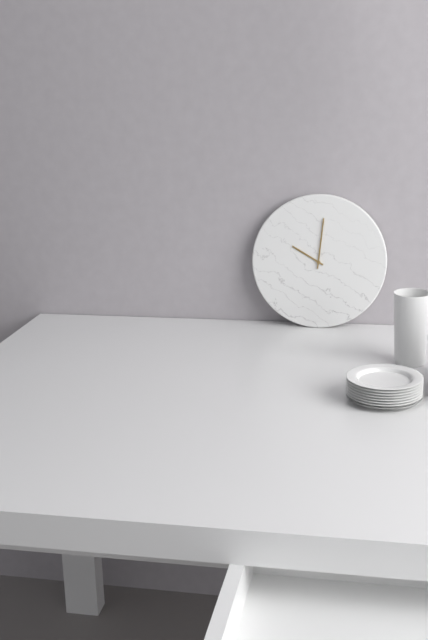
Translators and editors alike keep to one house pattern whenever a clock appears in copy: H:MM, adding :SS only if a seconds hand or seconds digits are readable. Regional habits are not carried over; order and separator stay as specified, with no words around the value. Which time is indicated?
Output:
10:01
